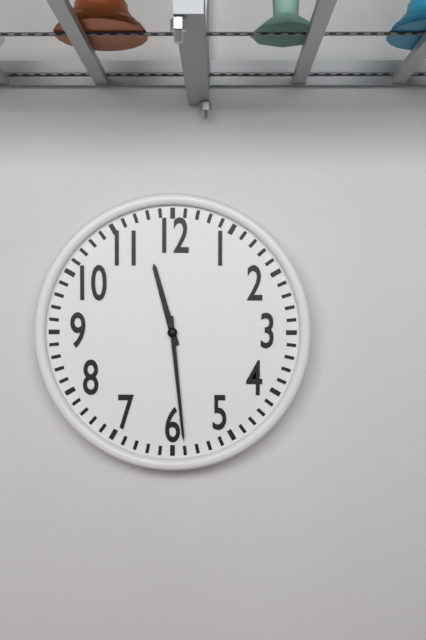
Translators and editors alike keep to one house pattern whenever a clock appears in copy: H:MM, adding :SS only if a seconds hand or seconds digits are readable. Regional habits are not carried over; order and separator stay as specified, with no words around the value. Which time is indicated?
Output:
11:29
